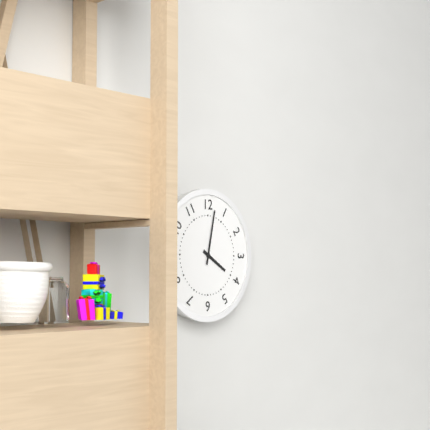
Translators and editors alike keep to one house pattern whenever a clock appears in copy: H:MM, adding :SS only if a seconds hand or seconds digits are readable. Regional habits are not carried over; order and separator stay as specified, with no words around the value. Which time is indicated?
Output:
4:02
